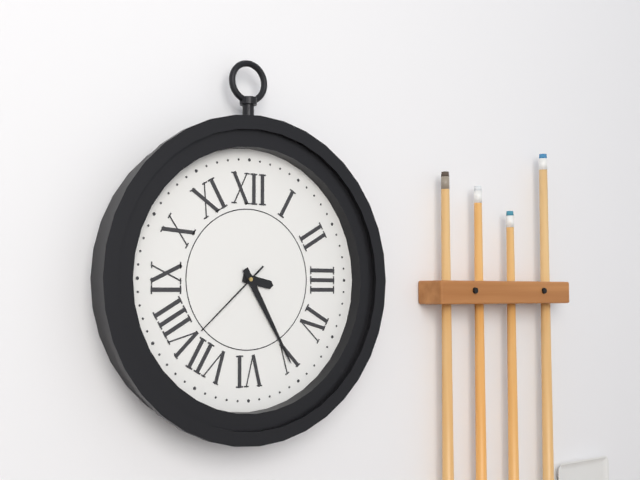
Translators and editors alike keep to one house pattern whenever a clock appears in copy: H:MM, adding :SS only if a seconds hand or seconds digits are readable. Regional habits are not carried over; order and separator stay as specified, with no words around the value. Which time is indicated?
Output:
3:25:38
